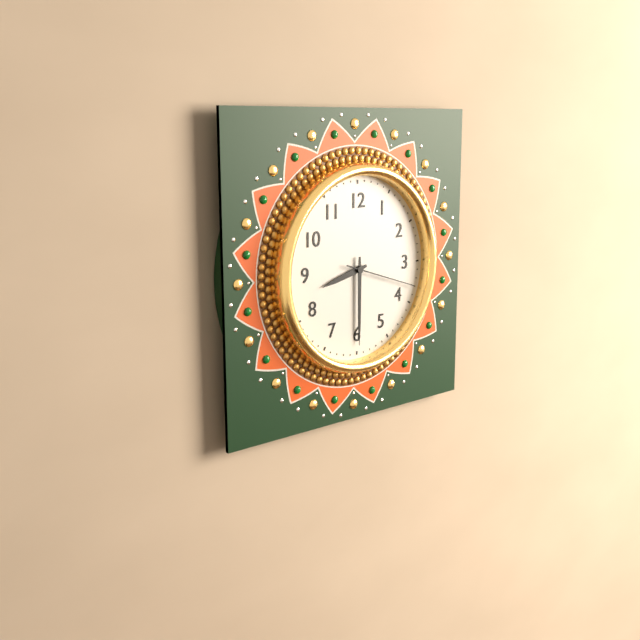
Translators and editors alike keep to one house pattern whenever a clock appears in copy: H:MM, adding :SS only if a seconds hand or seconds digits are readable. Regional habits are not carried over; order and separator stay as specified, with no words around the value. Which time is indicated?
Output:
8:30:18
